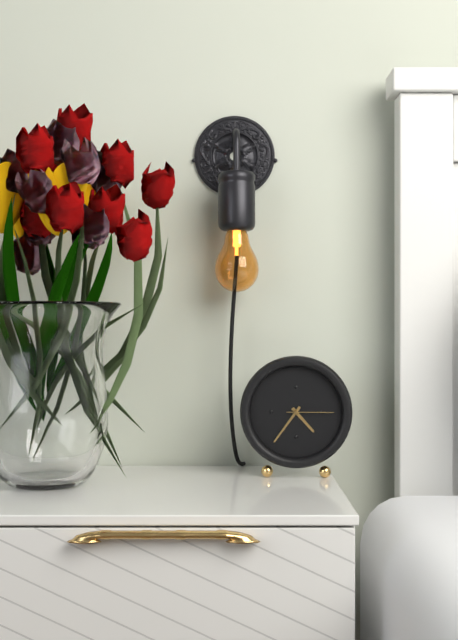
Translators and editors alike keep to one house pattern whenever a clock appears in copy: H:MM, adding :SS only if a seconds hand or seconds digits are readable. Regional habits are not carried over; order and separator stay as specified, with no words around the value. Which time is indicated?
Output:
4:36
